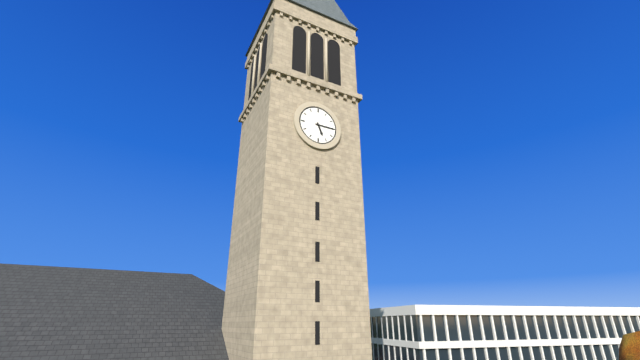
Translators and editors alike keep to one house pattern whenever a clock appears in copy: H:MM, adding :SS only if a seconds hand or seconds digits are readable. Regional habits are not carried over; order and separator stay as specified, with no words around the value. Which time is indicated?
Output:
5:15
